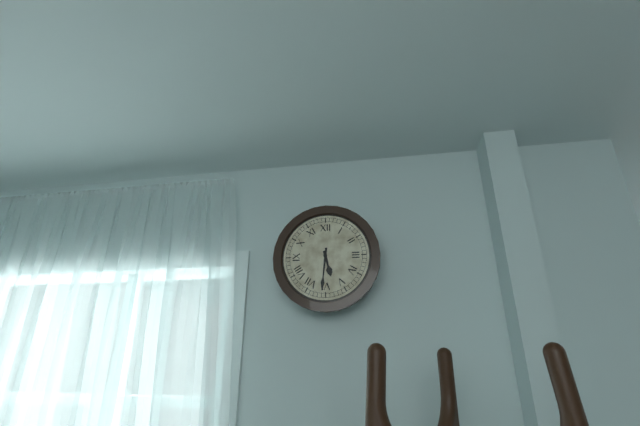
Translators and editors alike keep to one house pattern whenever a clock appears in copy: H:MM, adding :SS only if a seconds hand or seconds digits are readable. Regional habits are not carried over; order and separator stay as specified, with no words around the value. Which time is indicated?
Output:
5:31
